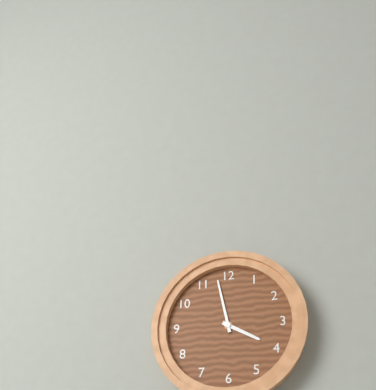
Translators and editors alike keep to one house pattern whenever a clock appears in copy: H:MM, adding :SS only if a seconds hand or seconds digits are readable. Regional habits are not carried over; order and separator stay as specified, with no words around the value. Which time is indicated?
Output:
3:58
